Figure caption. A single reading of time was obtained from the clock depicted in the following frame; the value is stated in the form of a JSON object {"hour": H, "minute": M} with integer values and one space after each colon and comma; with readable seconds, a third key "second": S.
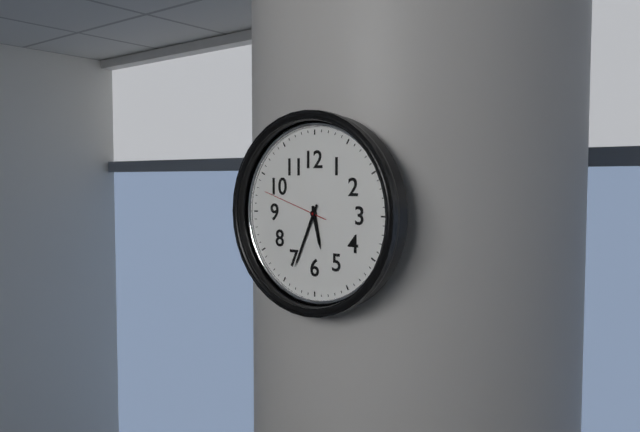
{"hour": 5, "minute": 34, "second": 48}
